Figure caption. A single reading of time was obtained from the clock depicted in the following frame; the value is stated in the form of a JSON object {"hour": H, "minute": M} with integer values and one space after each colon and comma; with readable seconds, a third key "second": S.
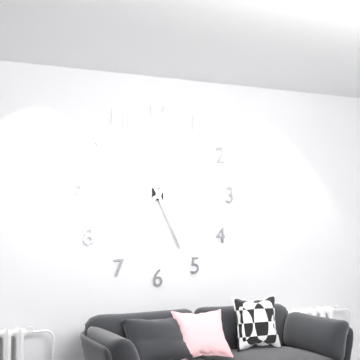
{"hour": 7, "minute": 26}
